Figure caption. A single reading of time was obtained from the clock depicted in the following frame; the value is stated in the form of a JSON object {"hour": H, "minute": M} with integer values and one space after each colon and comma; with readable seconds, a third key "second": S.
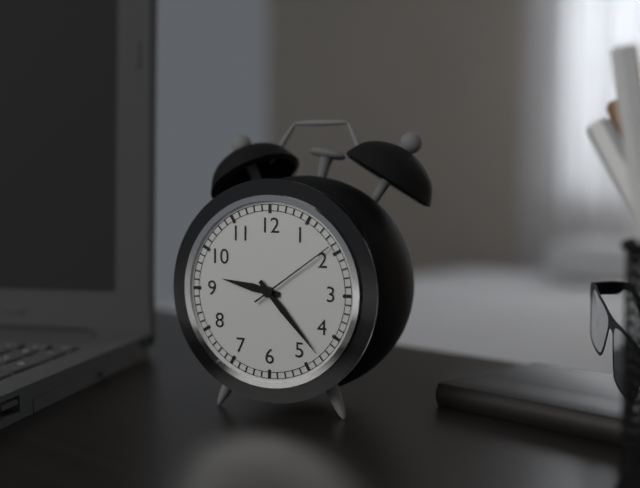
{"hour": 9, "minute": 23, "second": 9}
